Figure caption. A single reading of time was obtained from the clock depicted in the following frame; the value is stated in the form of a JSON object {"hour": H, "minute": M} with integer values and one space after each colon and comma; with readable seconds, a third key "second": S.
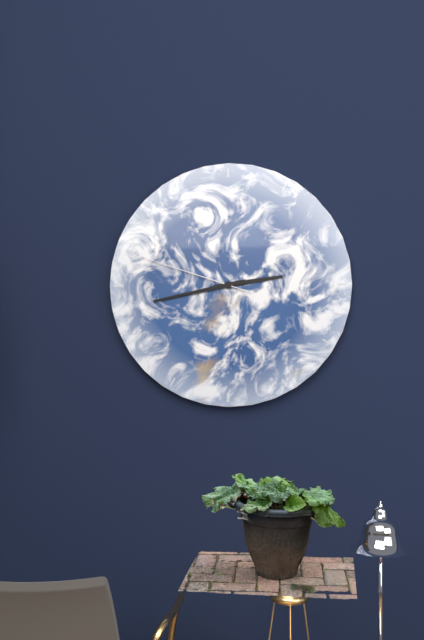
{"hour": 2, "minute": 43, "second": 48}
